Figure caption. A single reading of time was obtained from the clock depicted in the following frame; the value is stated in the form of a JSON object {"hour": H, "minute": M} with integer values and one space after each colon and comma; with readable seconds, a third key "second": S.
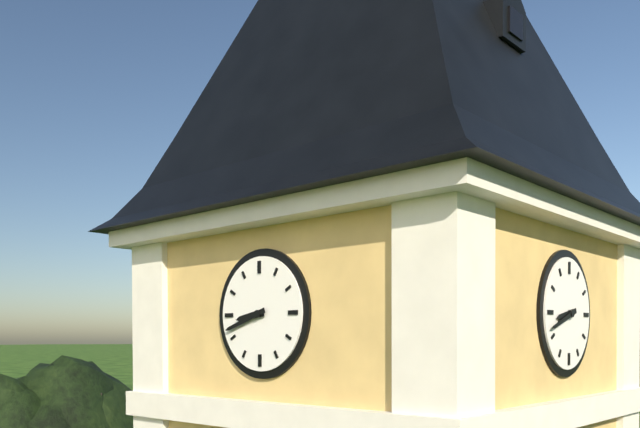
{"hour": 8, "minute": 42}
